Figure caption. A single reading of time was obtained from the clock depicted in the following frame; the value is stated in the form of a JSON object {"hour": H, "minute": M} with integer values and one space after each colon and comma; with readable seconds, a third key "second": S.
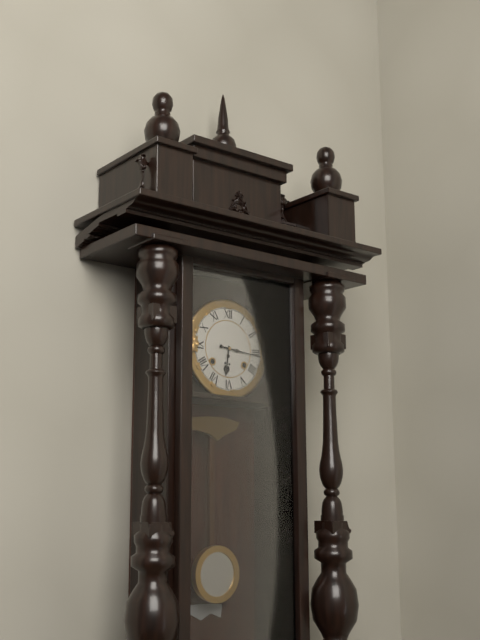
{"hour": 6, "minute": 16}
